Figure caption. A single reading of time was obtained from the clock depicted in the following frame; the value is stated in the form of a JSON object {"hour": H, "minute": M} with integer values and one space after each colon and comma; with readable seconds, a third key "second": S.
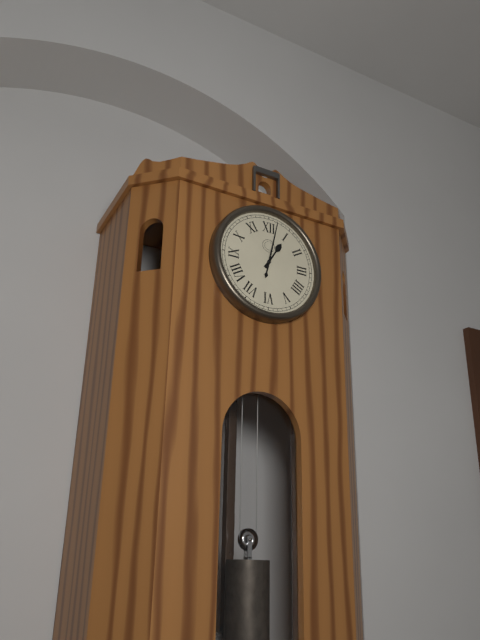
{"hour": 1, "minute": 2}
